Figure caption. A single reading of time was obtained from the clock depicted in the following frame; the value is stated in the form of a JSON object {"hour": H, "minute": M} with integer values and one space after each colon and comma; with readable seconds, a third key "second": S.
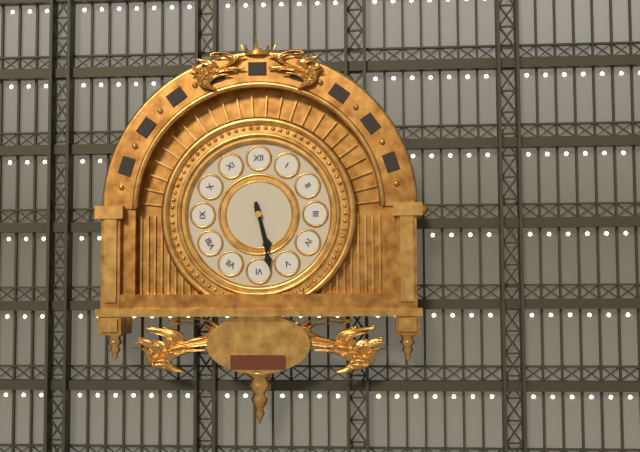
{"hour": 5, "minute": 28}
